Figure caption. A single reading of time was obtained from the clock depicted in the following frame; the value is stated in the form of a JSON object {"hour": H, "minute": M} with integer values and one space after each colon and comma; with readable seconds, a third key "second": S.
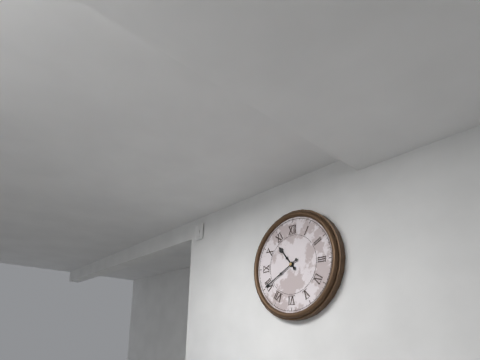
{"hour": 10, "minute": 40}
